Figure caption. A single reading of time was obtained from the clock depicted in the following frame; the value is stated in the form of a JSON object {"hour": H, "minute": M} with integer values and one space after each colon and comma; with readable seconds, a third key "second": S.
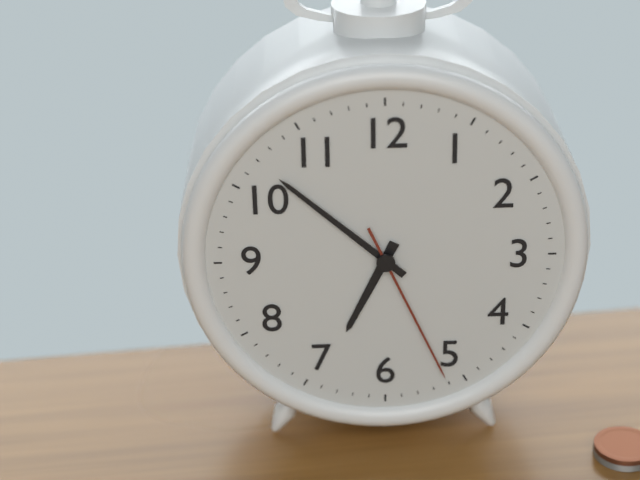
{"hour": 6, "minute": 52, "second": 26}
